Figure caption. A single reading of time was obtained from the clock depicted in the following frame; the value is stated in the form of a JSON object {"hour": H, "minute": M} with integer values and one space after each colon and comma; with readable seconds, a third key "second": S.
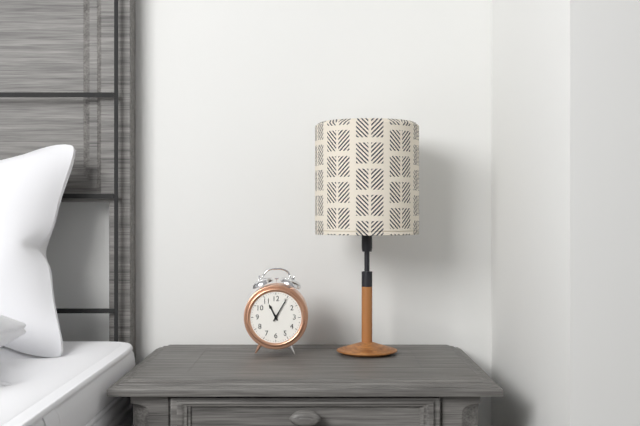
{"hour": 11, "minute": 5}
